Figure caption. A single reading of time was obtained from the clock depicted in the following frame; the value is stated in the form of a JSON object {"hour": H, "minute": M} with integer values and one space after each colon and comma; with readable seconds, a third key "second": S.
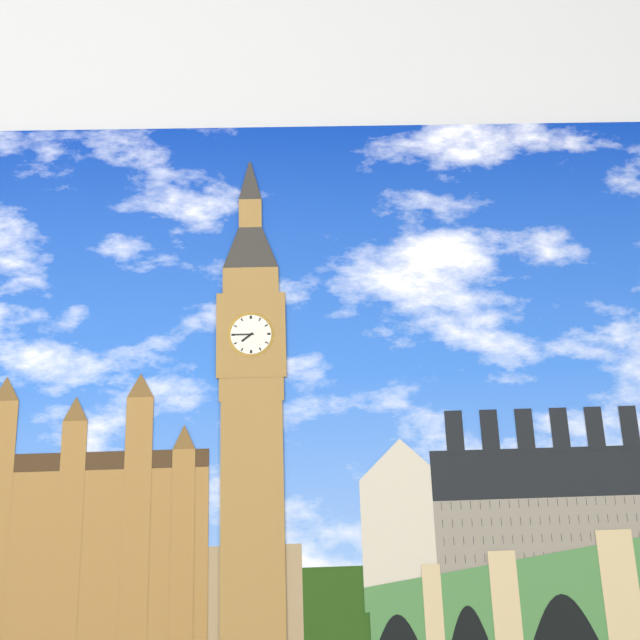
{"hour": 7, "minute": 45}
